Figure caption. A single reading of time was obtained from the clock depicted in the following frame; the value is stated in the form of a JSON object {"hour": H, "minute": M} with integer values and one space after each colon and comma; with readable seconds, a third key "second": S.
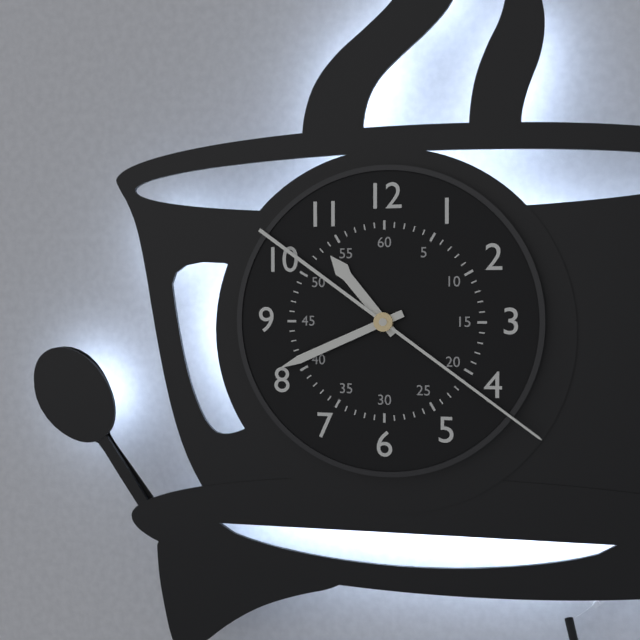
{"hour": 10, "minute": 41, "second": 21}
